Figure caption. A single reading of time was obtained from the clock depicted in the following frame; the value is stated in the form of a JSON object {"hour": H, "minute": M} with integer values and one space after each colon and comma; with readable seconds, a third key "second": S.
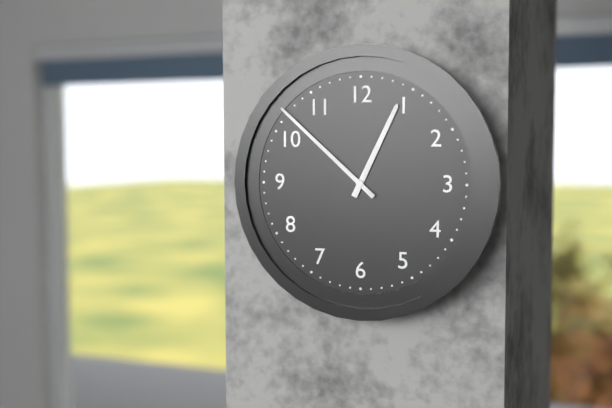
{"hour": 12, "minute": 52}
